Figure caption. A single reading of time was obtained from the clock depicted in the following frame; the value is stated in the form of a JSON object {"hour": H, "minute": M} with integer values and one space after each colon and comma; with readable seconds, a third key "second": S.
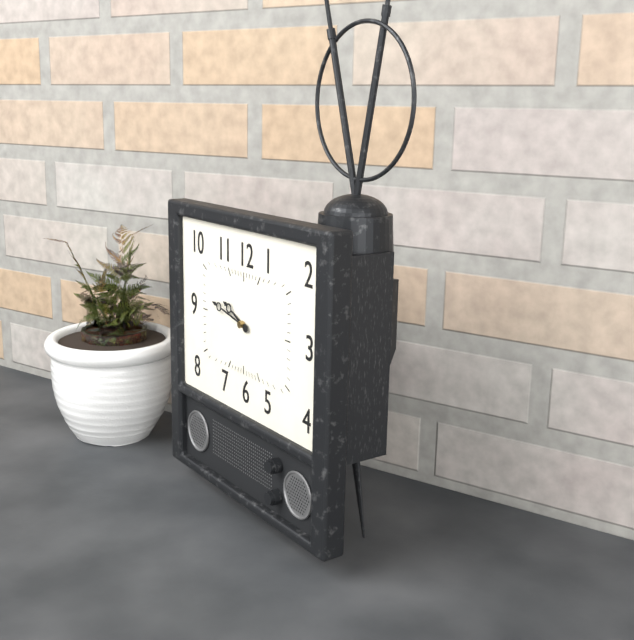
{"hour": 9, "minute": 47}
